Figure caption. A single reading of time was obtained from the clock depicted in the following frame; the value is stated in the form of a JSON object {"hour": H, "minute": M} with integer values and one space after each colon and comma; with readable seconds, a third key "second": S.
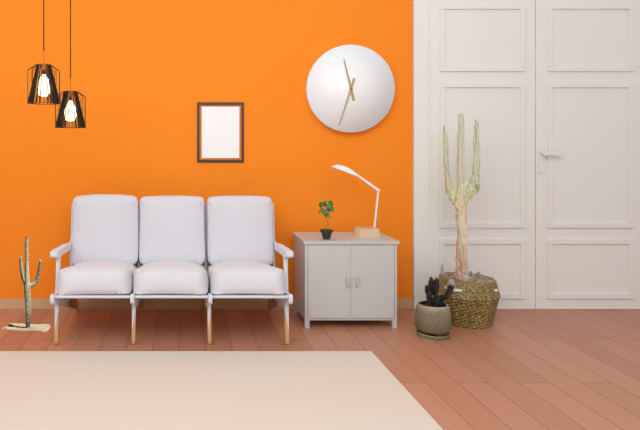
{"hour": 11, "minute": 33}
